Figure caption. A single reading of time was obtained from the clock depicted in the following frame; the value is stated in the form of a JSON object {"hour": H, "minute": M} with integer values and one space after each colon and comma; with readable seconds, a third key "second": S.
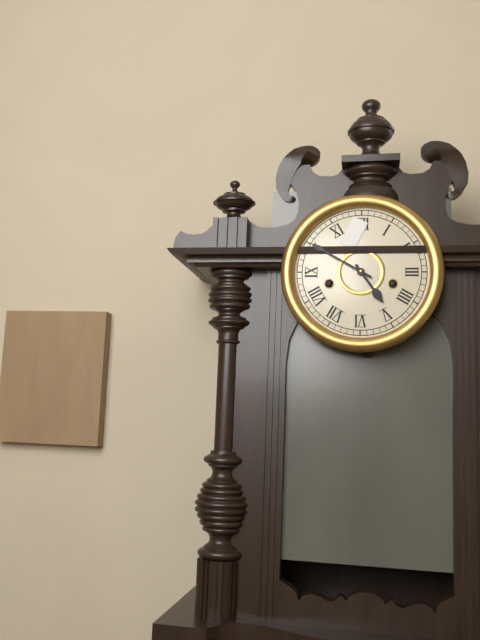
{"hour": 4, "minute": 50}
